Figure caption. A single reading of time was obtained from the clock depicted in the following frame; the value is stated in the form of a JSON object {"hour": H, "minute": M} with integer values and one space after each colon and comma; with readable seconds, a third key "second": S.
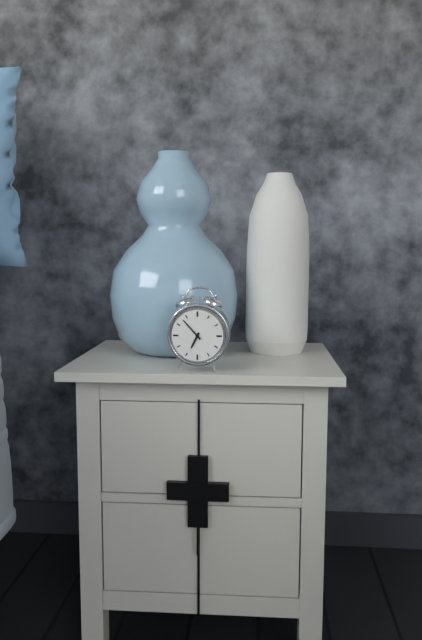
{"hour": 6, "minute": 53}
